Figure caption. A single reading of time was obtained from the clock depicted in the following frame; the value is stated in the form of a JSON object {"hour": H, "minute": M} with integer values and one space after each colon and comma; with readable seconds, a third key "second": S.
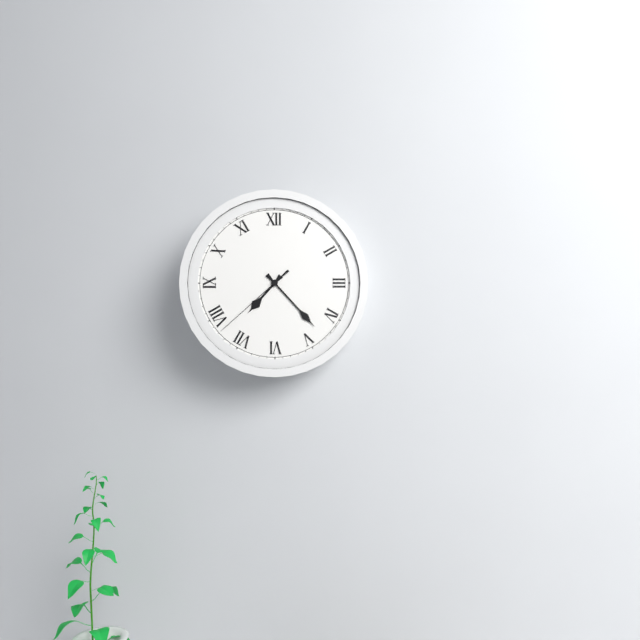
{"hour": 7, "minute": 23, "second": 38}
